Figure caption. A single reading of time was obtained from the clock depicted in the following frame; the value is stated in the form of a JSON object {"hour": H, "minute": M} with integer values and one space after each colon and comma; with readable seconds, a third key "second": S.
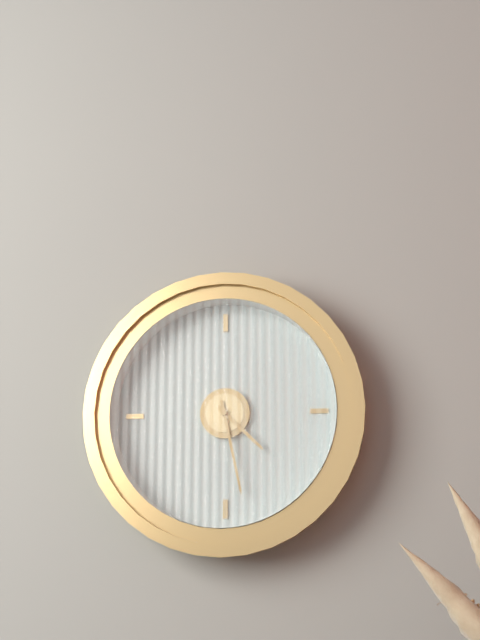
{"hour": 4, "minute": 28}
